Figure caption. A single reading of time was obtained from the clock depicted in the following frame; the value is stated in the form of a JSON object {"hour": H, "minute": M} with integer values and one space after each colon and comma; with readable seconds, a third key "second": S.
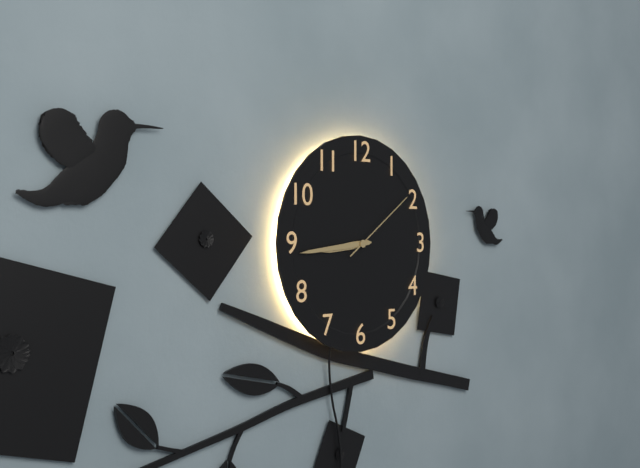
{"hour": 8, "minute": 44, "second": 9}
